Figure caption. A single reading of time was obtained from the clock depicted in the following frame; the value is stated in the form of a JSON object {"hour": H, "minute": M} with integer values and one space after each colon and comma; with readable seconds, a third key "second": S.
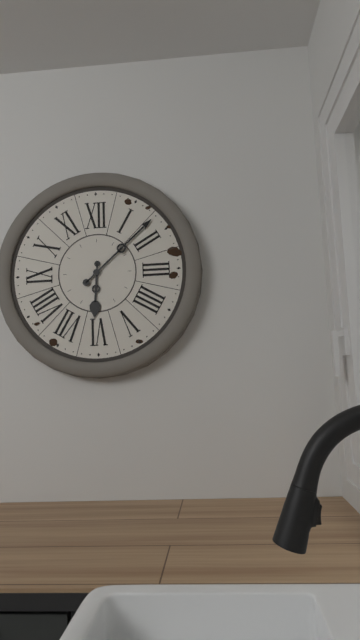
{"hour": 6, "minute": 8}
